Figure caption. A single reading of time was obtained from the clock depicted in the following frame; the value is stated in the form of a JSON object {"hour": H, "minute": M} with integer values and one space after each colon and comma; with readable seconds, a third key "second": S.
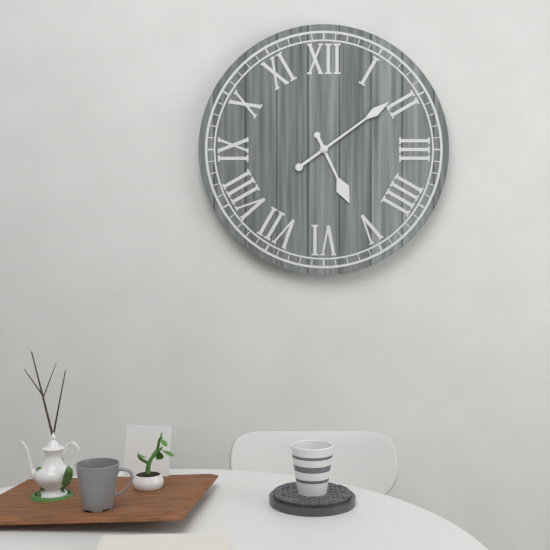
{"hour": 5, "minute": 9}
